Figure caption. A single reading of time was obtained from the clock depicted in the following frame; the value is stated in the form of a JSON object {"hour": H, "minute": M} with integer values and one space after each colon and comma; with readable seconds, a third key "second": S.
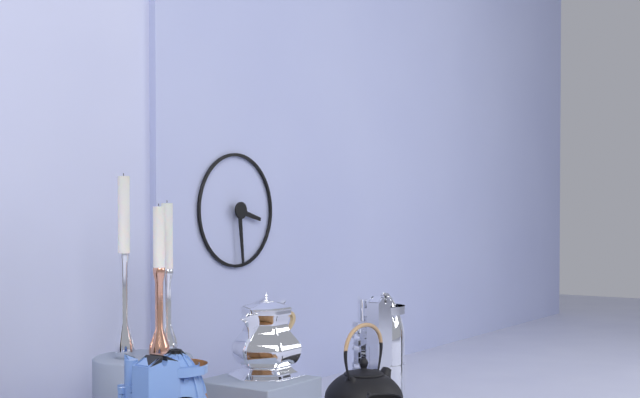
{"hour": 3, "minute": 29}
